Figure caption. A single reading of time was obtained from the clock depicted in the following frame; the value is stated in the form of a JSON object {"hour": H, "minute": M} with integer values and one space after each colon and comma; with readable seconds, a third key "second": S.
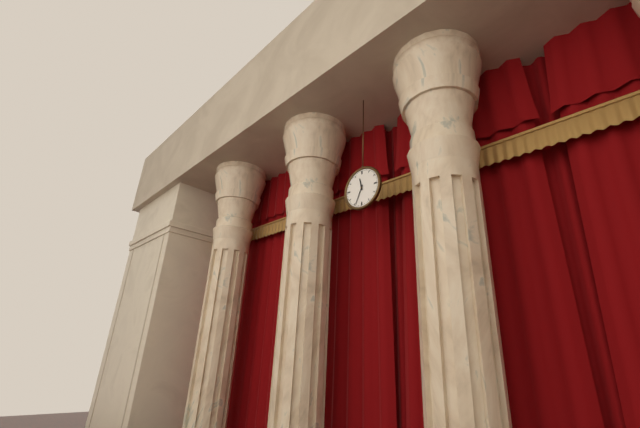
{"hour": 11, "minute": 34}
